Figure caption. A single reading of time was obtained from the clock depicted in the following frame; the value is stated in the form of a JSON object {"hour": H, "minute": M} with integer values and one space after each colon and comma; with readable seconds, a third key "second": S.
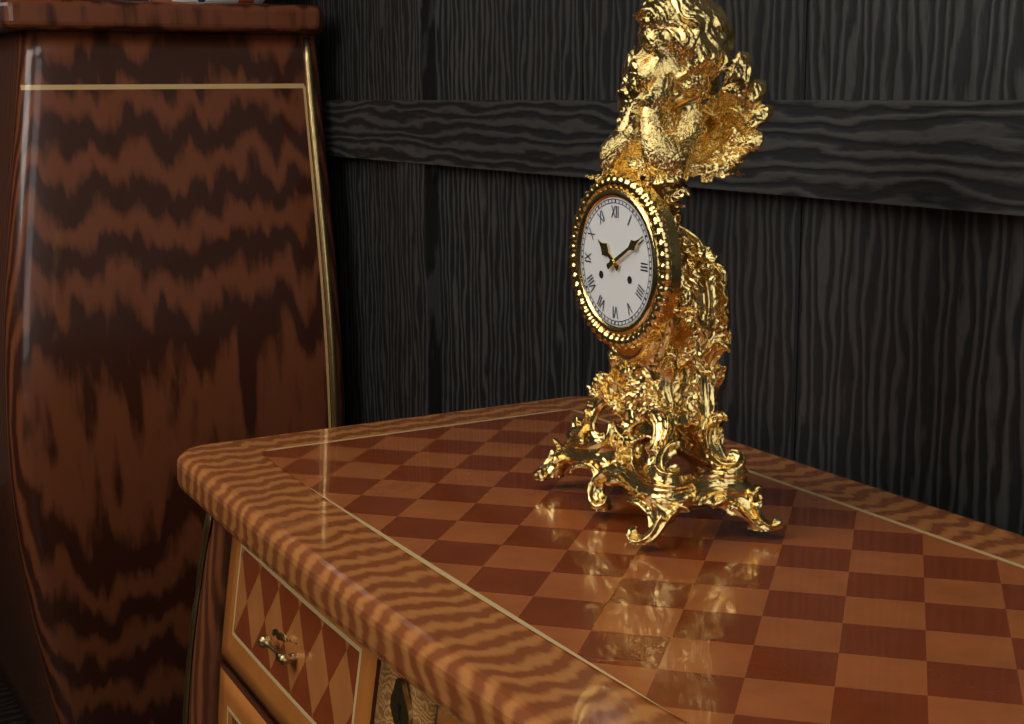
{"hour": 10, "minute": 10}
